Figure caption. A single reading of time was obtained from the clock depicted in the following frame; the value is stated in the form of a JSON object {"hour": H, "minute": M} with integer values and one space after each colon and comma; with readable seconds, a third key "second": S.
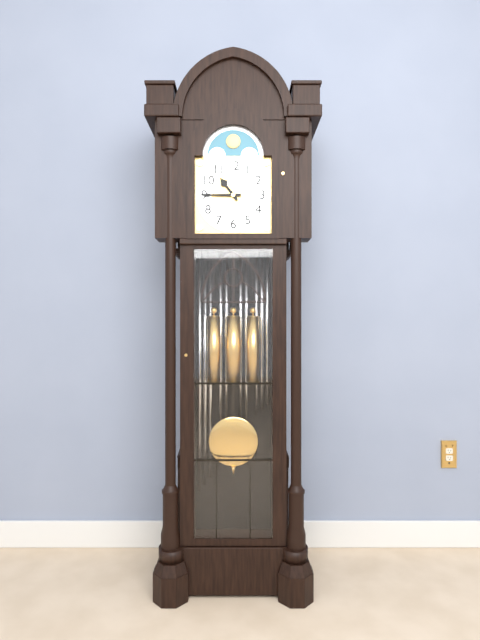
{"hour": 10, "minute": 45}
